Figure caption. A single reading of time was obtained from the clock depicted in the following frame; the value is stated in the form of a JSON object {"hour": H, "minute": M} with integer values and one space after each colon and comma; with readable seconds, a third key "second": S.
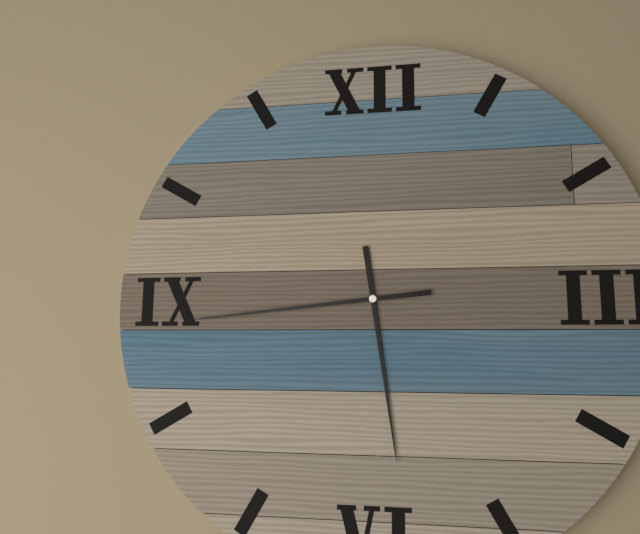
{"hour": 5, "minute": 44}
